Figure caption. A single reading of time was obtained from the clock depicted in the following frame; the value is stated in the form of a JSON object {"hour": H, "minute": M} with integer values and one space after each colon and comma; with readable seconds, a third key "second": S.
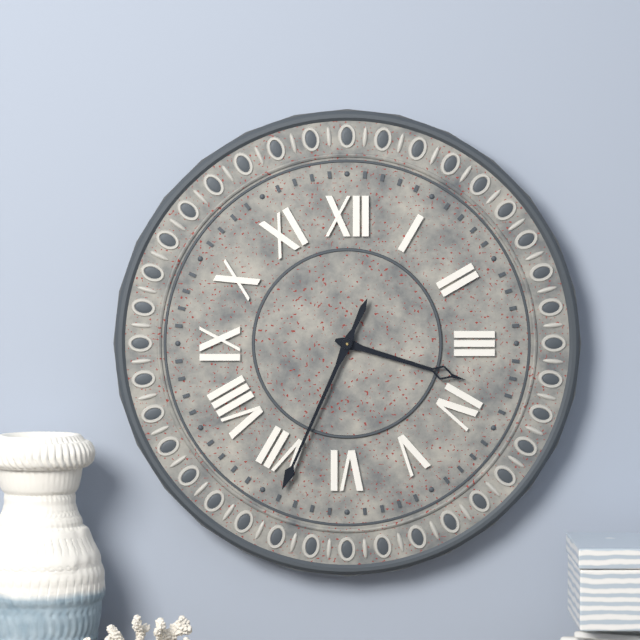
{"hour": 3, "minute": 34}
